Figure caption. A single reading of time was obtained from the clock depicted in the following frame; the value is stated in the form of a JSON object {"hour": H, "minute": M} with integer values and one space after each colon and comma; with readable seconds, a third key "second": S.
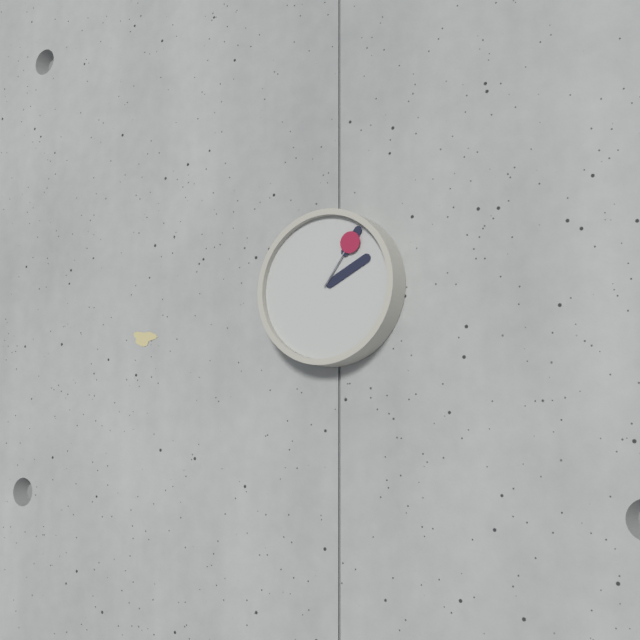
{"hour": 2, "minute": 6, "second": 6}
